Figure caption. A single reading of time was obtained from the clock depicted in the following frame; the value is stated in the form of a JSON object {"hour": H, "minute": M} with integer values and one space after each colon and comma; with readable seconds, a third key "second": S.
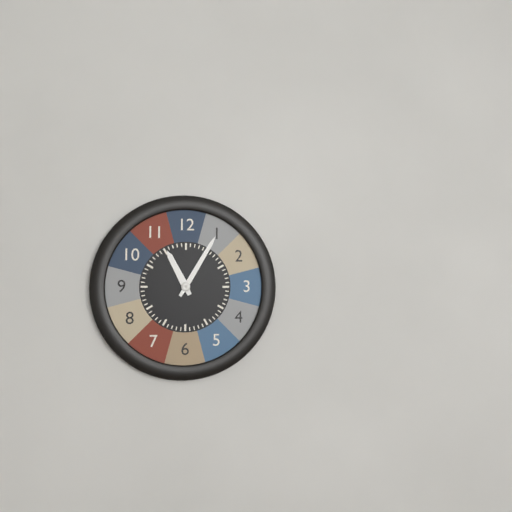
{"hour": 11, "minute": 5}
